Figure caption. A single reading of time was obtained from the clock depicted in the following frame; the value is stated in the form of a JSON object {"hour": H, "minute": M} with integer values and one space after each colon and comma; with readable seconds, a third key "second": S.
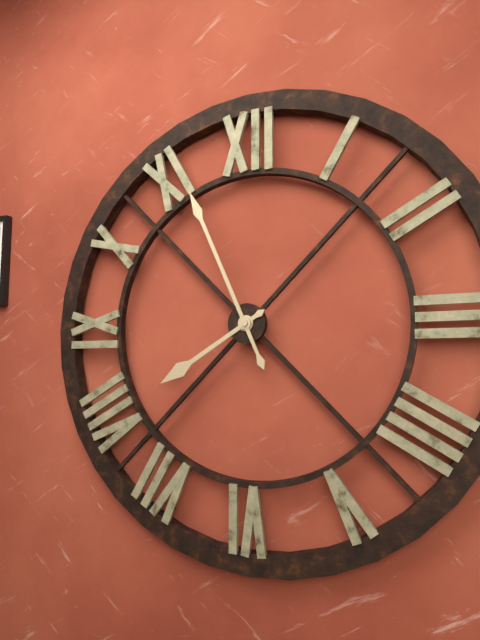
{"hour": 7, "minute": 56}
